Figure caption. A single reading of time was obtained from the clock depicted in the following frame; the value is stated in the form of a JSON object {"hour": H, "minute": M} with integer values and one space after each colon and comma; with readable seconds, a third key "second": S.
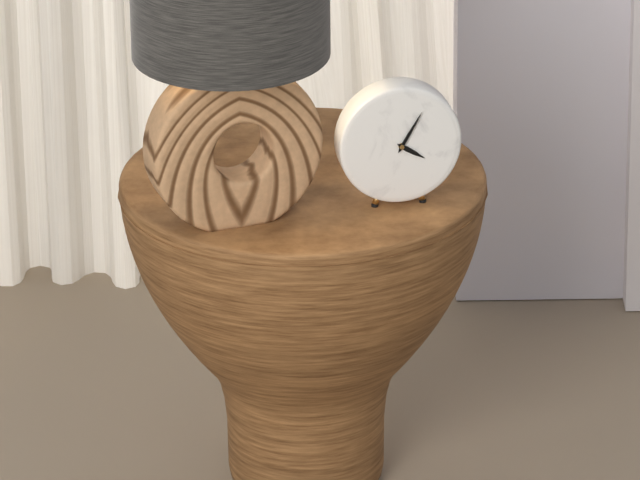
{"hour": 4, "minute": 5}
